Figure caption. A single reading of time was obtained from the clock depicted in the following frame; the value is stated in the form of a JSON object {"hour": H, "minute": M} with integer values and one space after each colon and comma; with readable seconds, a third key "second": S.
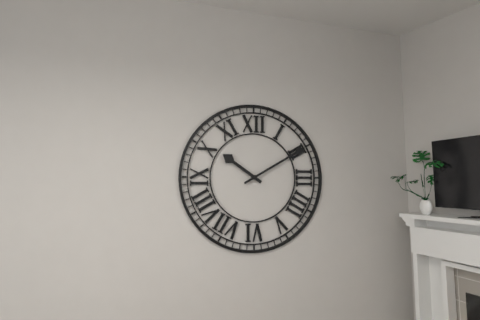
{"hour": 10, "minute": 10}
